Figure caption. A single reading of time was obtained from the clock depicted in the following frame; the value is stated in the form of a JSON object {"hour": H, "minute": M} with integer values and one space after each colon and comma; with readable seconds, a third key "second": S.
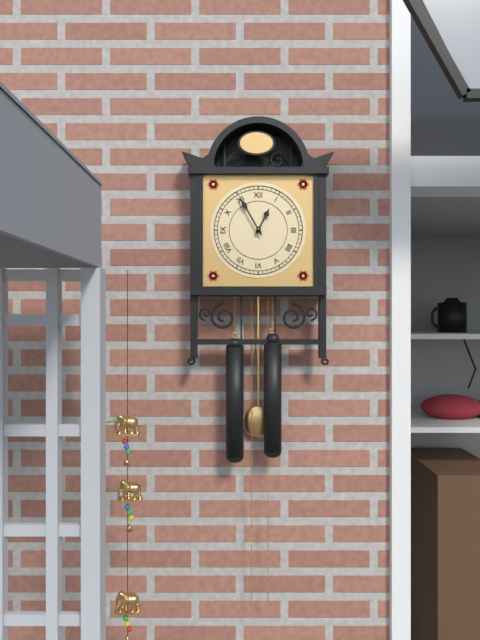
{"hour": 12, "minute": 55}
